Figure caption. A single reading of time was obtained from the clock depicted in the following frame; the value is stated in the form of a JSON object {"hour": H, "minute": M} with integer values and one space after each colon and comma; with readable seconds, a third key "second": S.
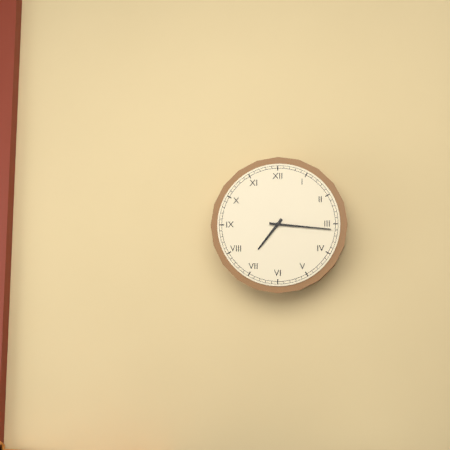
{"hour": 7, "minute": 16}
